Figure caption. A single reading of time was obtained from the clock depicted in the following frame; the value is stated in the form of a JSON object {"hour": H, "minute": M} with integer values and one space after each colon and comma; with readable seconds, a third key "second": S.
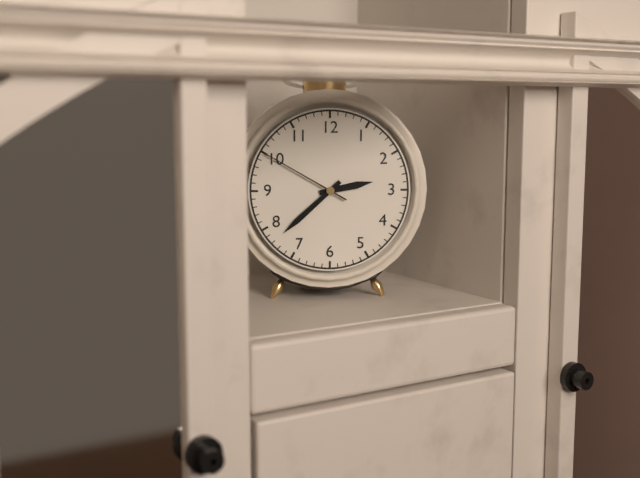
{"hour": 2, "minute": 38, "second": 50}
